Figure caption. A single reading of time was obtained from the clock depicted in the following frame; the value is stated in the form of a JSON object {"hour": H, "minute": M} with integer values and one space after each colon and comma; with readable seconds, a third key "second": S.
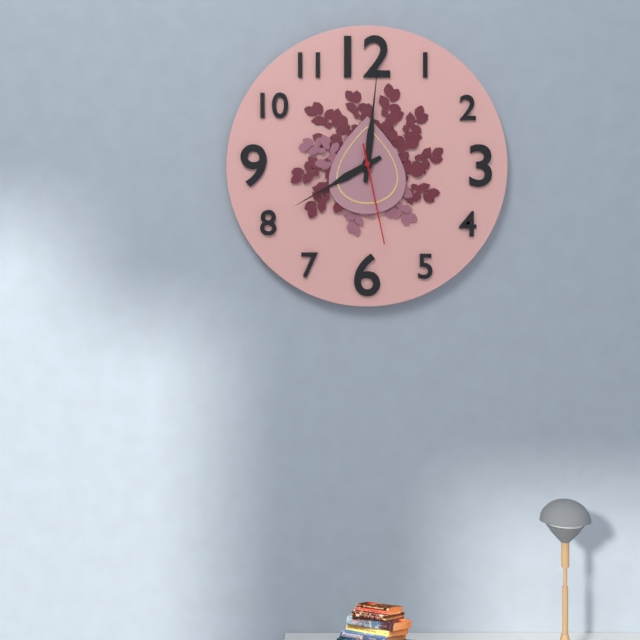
{"hour": 8, "minute": 1, "second": 28}
